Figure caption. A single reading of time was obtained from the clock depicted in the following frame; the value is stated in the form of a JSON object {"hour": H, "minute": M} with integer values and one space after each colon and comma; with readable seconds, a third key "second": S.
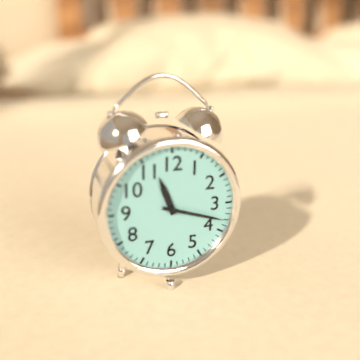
{"hour": 11, "minute": 18}
